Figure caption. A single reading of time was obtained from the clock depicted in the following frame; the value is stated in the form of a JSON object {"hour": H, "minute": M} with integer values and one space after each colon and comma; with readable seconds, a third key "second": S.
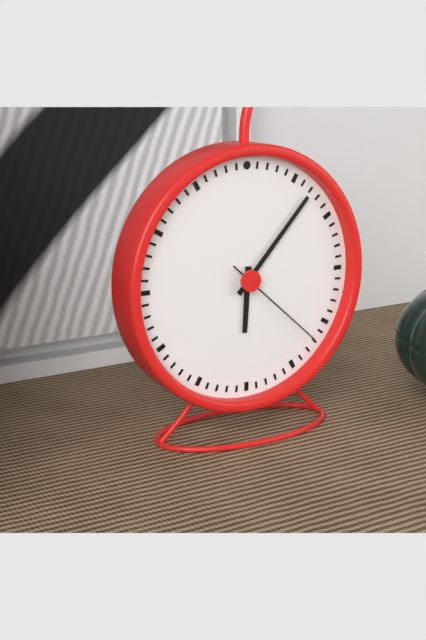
{"hour": 6, "minute": 7, "second": 22}
